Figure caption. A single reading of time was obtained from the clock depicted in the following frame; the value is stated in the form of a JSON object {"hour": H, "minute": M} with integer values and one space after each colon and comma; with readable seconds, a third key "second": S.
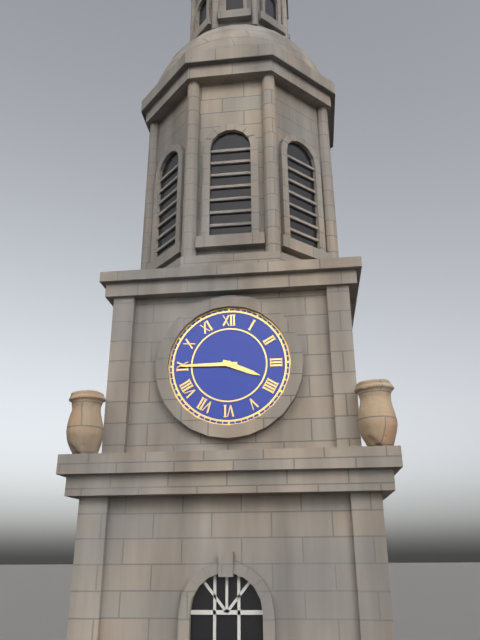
{"hour": 3, "minute": 45}
